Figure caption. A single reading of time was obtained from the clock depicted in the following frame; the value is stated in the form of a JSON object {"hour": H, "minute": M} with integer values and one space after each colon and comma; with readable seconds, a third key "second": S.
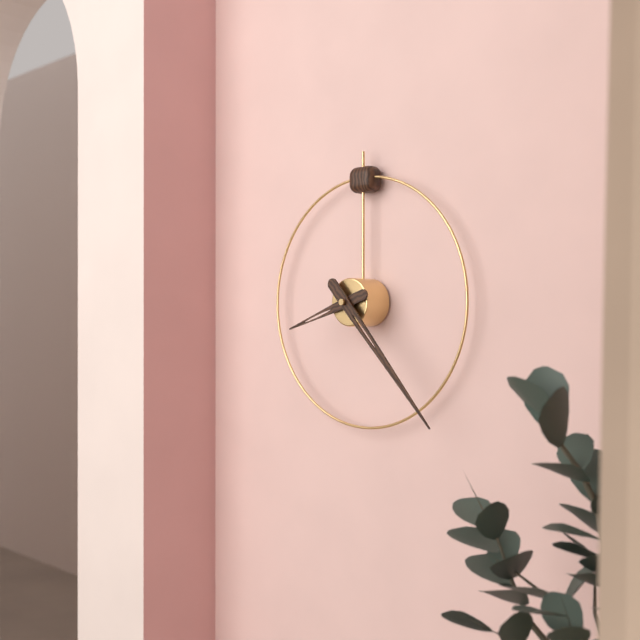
{"hour": 8, "minute": 23}
